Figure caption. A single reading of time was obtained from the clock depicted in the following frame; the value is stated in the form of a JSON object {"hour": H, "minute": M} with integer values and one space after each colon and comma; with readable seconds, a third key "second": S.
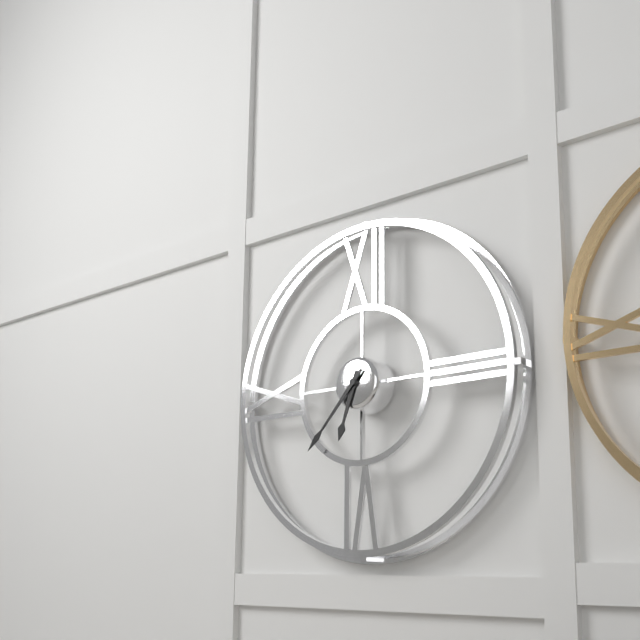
{"hour": 6, "minute": 37}
